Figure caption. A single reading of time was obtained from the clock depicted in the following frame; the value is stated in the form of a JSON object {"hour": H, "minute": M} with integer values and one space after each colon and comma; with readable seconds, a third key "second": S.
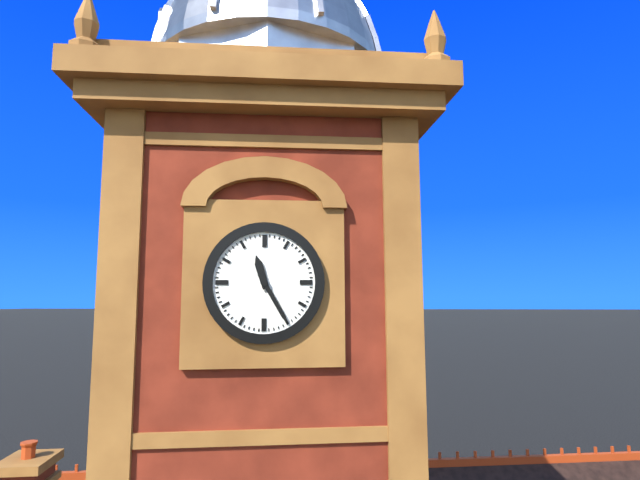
{"hour": 11, "minute": 25}
